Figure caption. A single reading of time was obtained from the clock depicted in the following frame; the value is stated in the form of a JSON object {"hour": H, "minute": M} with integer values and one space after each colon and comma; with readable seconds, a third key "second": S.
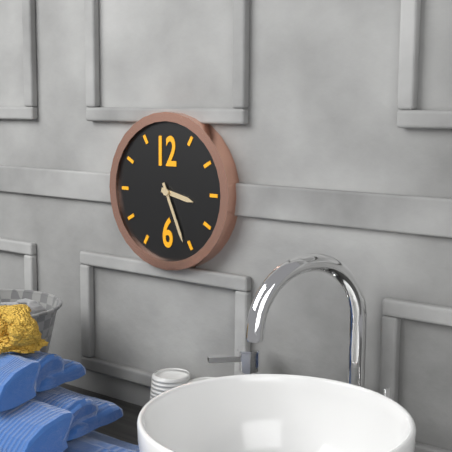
{"hour": 3, "minute": 26}
